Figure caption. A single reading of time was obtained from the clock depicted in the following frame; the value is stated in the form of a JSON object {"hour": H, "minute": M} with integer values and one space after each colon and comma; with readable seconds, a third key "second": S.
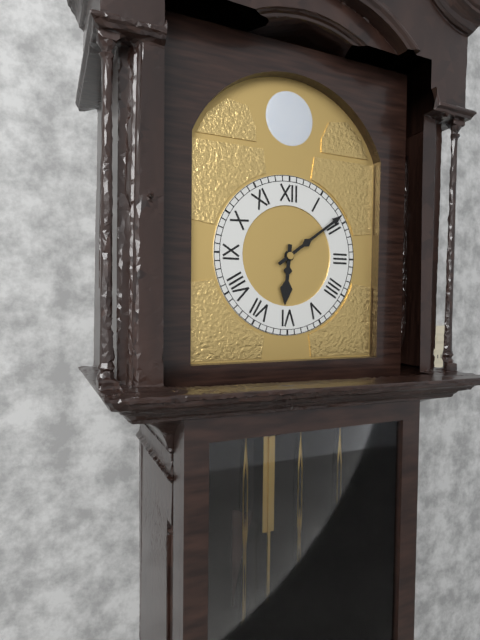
{"hour": 6, "minute": 9}
